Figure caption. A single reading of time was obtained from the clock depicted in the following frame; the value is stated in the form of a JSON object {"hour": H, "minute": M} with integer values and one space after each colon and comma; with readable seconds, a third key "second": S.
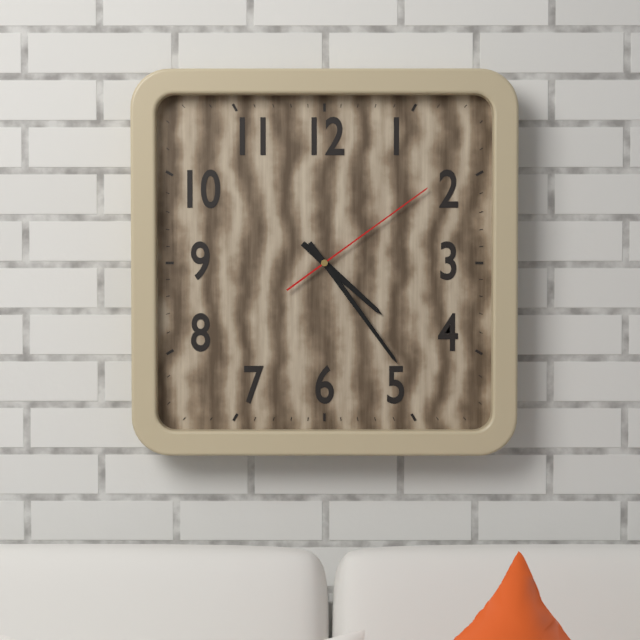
{"hour": 4, "minute": 24, "second": 9}
